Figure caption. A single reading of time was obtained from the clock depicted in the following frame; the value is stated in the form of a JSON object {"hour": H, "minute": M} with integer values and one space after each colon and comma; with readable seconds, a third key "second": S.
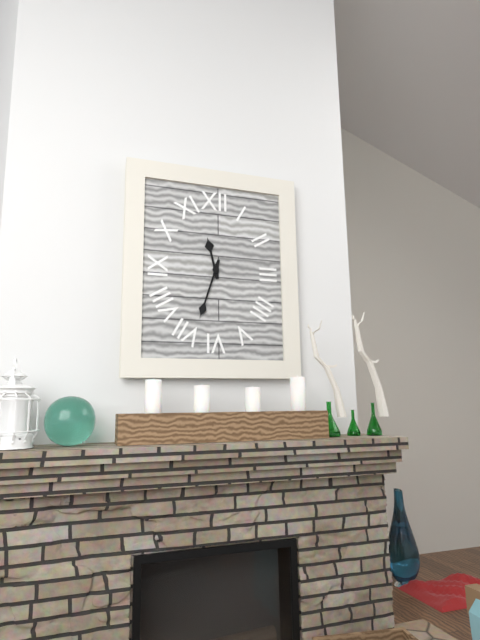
{"hour": 11, "minute": 33}
